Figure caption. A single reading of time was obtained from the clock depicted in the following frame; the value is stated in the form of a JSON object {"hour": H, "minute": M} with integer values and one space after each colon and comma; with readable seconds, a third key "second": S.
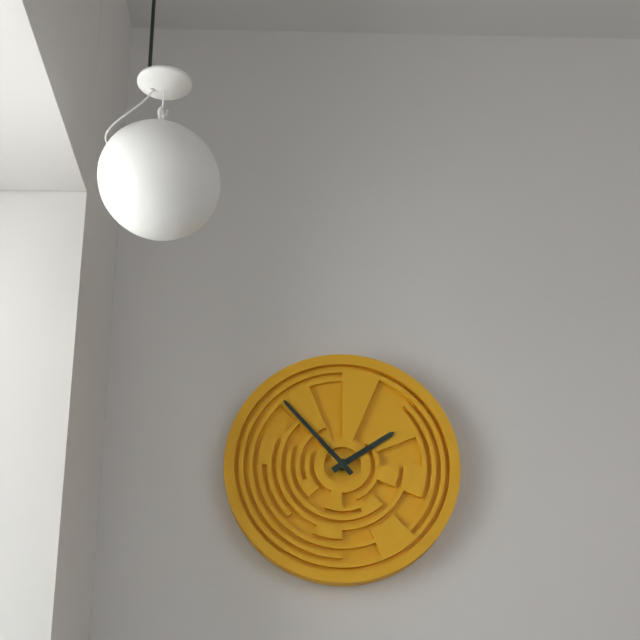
{"hour": 1, "minute": 53}
